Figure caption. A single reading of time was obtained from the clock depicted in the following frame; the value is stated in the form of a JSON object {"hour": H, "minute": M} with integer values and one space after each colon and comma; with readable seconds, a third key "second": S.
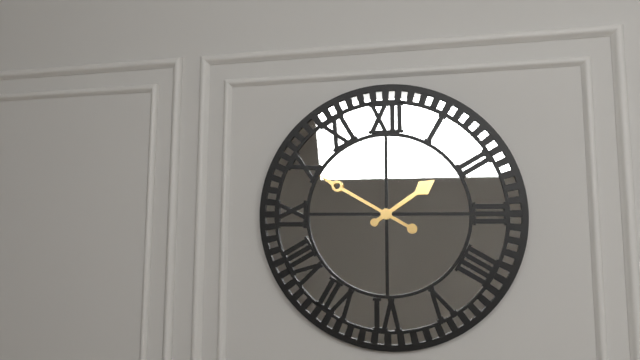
{"hour": 1, "minute": 50}
